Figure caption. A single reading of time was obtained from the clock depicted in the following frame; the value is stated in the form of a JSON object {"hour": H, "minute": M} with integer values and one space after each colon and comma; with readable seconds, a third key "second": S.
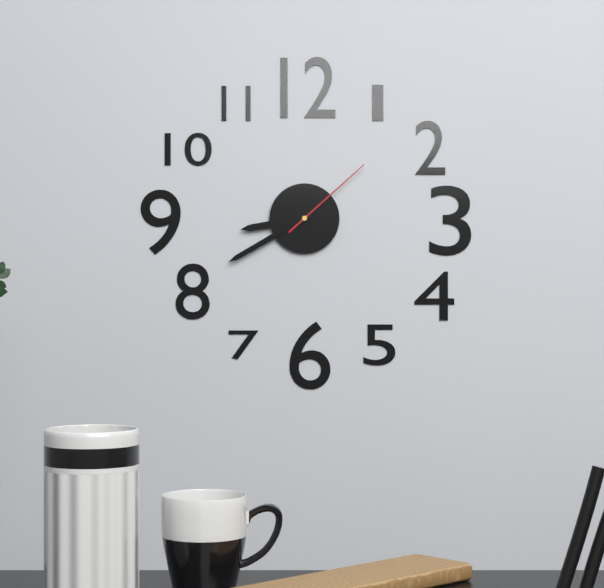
{"hour": 8, "minute": 40, "second": 8}
